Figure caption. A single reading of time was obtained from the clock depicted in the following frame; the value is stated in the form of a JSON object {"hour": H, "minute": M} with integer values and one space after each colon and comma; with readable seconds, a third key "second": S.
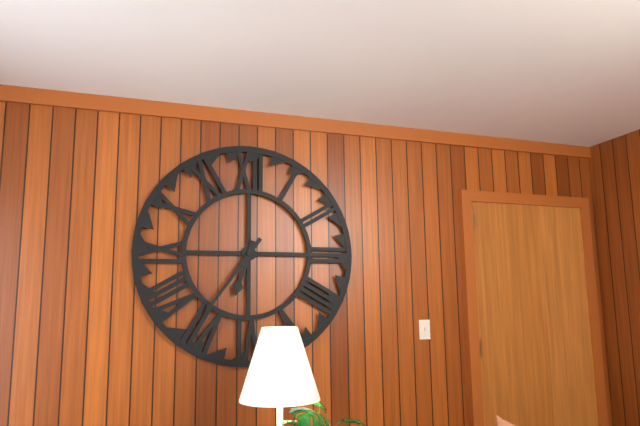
{"hour": 6, "minute": 36}
